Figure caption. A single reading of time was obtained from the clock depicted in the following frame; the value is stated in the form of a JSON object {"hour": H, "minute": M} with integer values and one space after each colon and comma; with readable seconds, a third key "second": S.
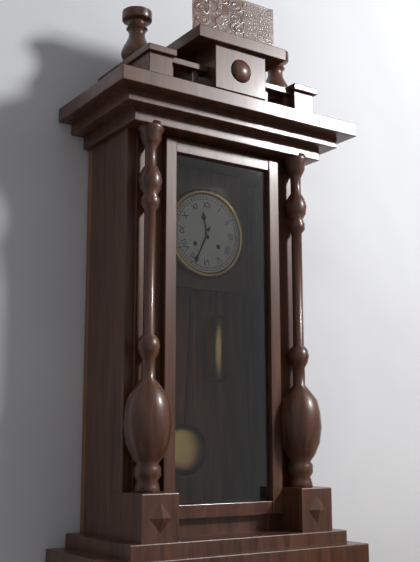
{"hour": 11, "minute": 34}
